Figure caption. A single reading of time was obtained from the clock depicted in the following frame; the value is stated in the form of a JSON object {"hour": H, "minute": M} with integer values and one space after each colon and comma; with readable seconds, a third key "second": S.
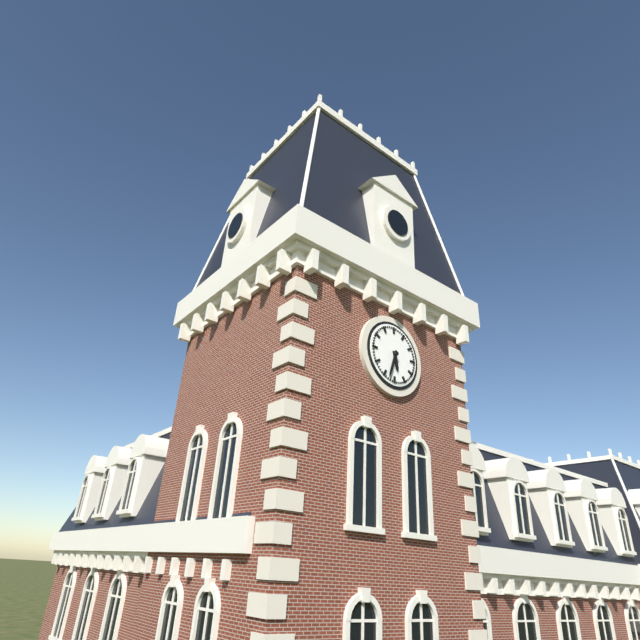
{"hour": 5, "minute": 33}
